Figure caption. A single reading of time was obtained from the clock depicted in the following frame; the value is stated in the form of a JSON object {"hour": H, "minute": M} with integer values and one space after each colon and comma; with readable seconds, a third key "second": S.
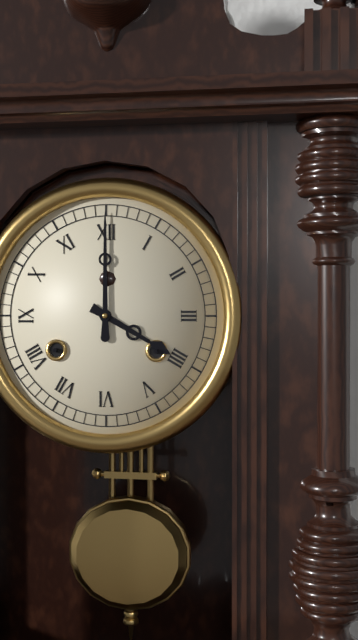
{"hour": 4, "minute": 0}
